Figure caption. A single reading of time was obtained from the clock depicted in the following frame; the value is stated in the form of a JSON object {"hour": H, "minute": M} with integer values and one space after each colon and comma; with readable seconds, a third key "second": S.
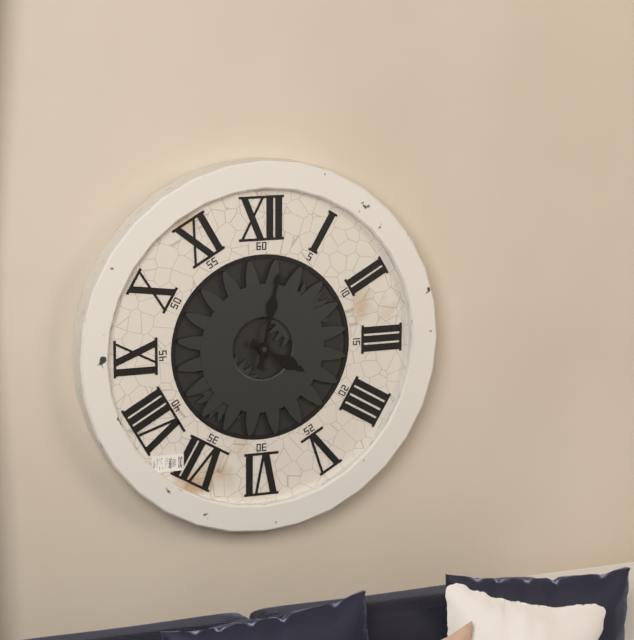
{"hour": 4, "minute": 2}
